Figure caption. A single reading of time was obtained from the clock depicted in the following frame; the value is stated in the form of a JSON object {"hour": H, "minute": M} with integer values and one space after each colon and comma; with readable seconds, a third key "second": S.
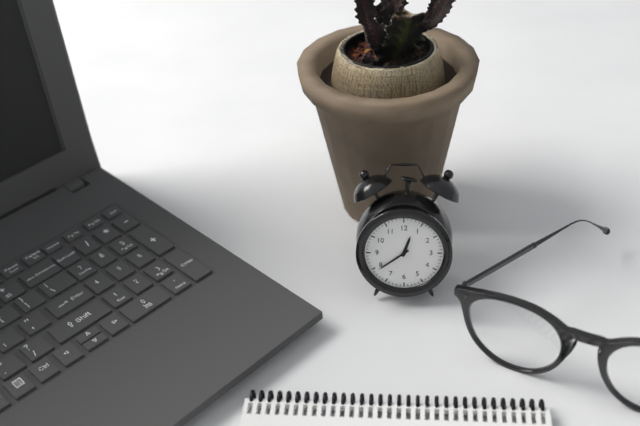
{"hour": 12, "minute": 39}
